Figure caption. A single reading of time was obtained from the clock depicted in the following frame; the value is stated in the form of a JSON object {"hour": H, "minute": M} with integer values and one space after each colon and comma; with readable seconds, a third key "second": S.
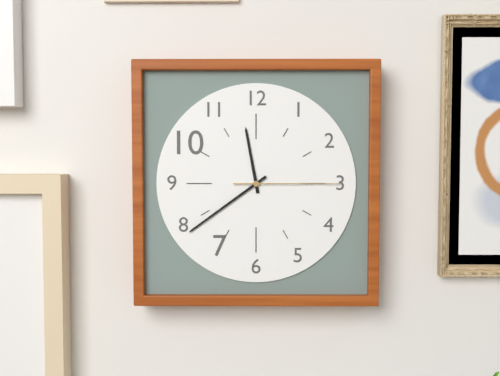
{"hour": 11, "minute": 39, "second": 15}
